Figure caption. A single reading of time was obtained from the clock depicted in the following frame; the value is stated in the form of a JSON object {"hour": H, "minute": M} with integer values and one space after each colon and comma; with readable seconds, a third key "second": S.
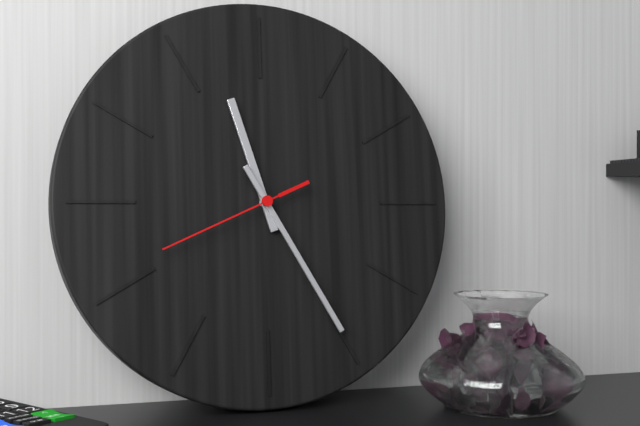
{"hour": 11, "minute": 25, "second": 41}
